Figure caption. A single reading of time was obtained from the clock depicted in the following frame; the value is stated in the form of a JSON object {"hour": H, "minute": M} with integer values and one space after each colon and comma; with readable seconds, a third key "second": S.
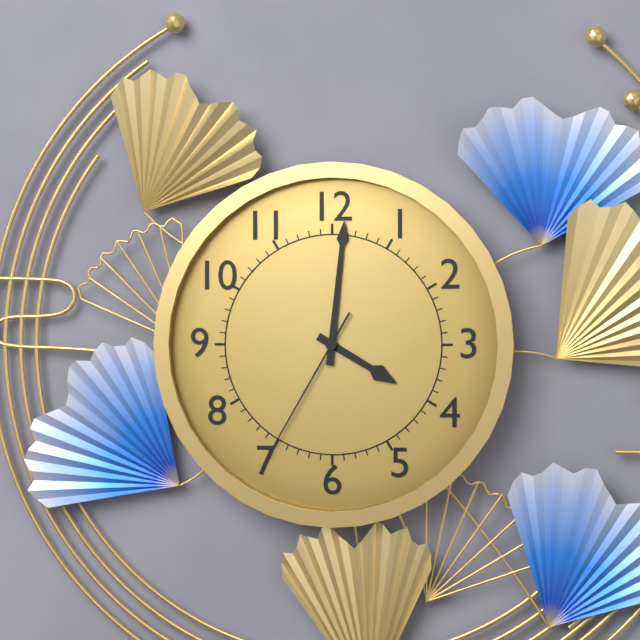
{"hour": 4, "minute": 1, "second": 35}
